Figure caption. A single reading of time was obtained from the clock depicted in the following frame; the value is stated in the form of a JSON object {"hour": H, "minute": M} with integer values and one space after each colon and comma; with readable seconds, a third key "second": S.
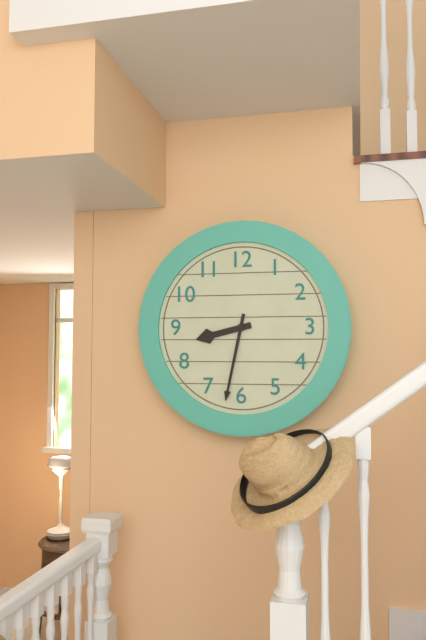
{"hour": 8, "minute": 32}
